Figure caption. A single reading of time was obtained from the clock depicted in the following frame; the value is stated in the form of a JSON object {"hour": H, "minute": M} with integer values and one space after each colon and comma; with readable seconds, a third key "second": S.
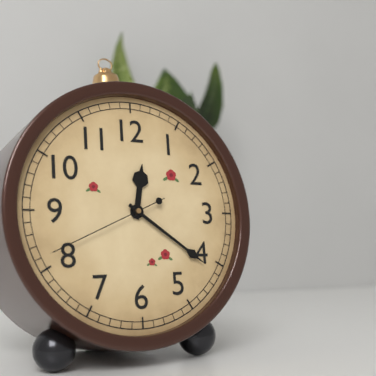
{"hour": 12, "minute": 21, "second": 41}
